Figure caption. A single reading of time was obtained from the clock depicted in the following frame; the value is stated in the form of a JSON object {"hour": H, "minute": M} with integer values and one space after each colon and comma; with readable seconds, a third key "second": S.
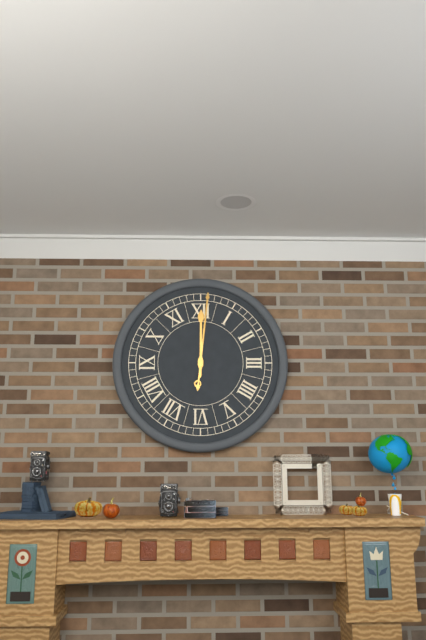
{"hour": 12, "minute": 1}
